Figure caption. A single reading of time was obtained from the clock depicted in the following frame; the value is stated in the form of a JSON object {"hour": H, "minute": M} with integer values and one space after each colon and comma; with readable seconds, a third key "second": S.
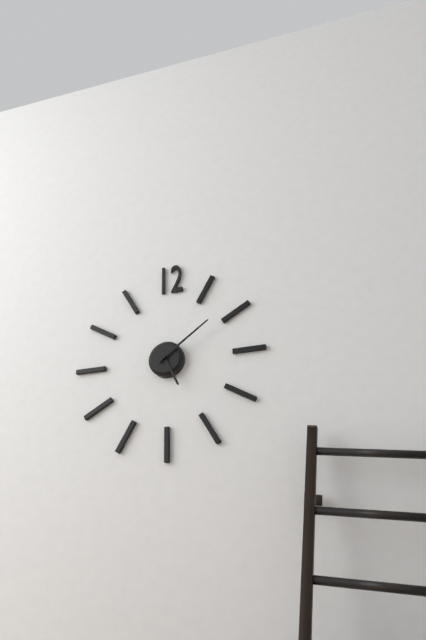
{"hour": 5, "minute": 9}
